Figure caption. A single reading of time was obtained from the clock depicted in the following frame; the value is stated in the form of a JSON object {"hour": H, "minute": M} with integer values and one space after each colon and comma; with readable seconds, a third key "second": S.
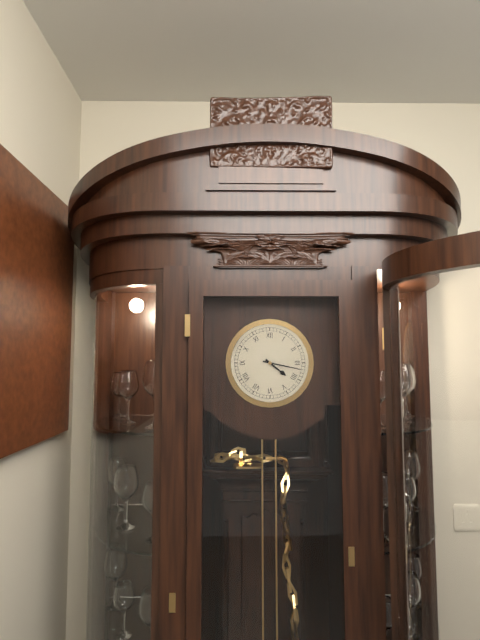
{"hour": 4, "minute": 17}
